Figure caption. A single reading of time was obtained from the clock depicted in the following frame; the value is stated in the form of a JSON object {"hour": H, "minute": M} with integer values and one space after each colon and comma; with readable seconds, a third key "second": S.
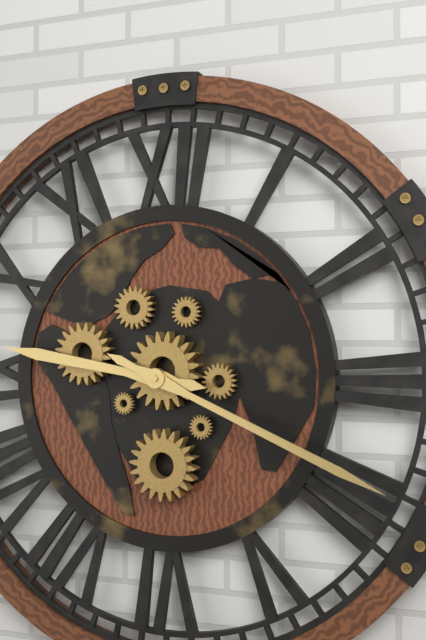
{"hour": 9, "minute": 19}
